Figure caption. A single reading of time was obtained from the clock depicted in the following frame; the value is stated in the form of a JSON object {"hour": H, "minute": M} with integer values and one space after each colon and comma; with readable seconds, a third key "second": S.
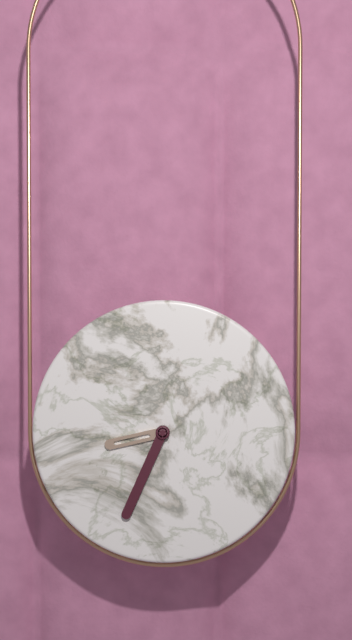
{"hour": 8, "minute": 34}
